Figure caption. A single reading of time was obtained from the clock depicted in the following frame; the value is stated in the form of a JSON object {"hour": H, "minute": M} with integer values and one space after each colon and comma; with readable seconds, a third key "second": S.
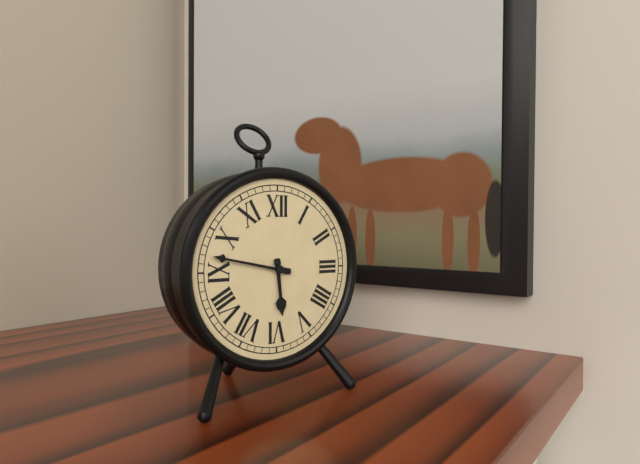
{"hour": 5, "minute": 47}
